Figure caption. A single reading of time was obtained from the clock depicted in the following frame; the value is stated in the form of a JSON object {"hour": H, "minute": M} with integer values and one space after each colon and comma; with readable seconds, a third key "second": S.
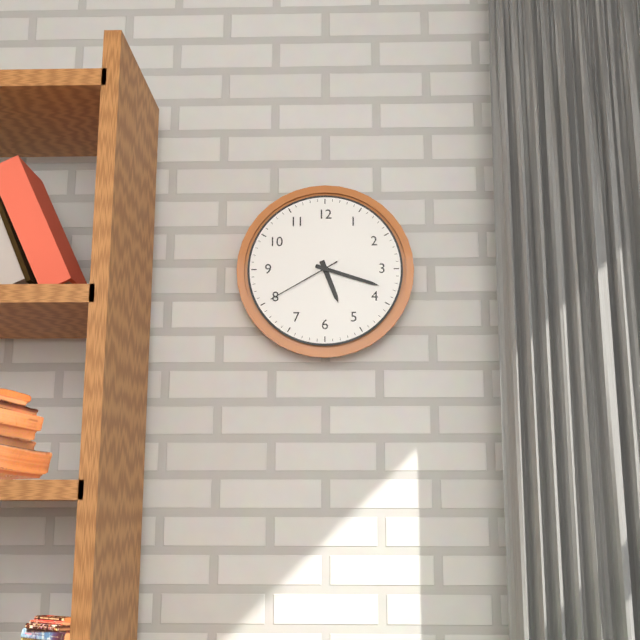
{"hour": 5, "minute": 18, "second": 40}
